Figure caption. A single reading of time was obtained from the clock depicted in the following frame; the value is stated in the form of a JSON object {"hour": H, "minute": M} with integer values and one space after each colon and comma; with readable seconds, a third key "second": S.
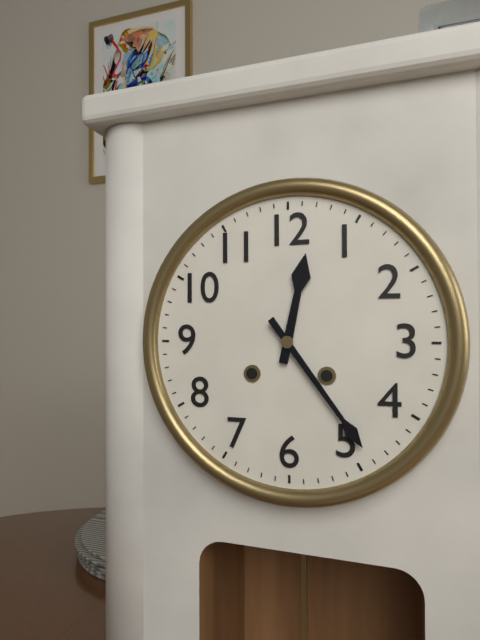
{"hour": 12, "minute": 24}
